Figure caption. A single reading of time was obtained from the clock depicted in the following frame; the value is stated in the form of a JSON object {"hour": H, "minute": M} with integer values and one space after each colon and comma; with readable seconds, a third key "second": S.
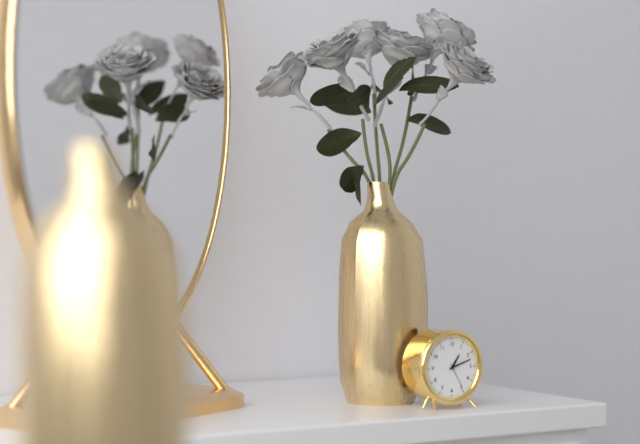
{"hour": 1, "minute": 12}
